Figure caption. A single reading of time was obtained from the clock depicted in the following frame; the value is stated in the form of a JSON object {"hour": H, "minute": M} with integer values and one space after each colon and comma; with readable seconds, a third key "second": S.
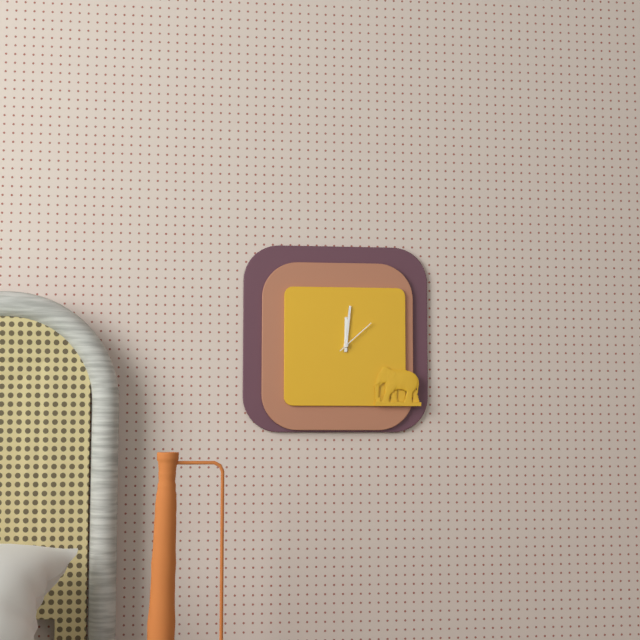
{"hour": 12, "minute": 1}
